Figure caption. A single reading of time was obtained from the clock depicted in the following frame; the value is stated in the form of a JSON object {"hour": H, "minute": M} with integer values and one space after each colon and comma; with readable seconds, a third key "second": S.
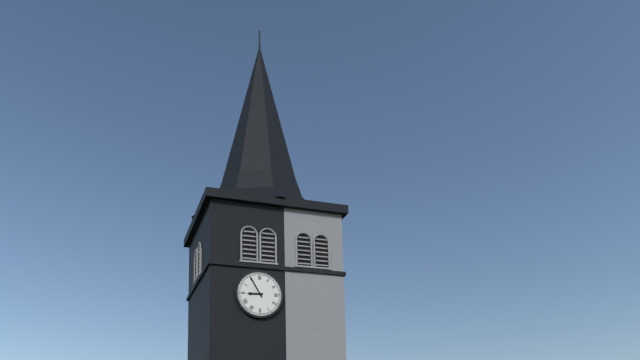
{"hour": 8, "minute": 55}
